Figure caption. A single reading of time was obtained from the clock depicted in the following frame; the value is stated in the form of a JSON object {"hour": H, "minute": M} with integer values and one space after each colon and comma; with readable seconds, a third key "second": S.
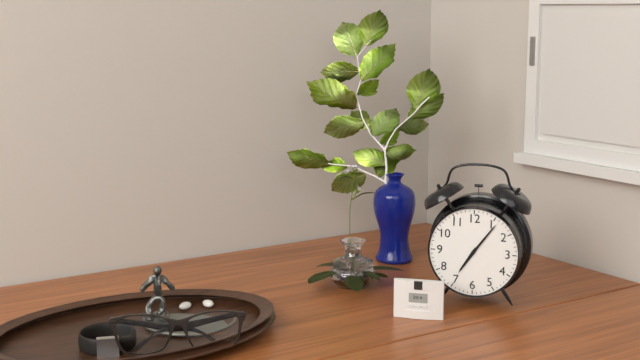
{"hour": 7, "minute": 6}
